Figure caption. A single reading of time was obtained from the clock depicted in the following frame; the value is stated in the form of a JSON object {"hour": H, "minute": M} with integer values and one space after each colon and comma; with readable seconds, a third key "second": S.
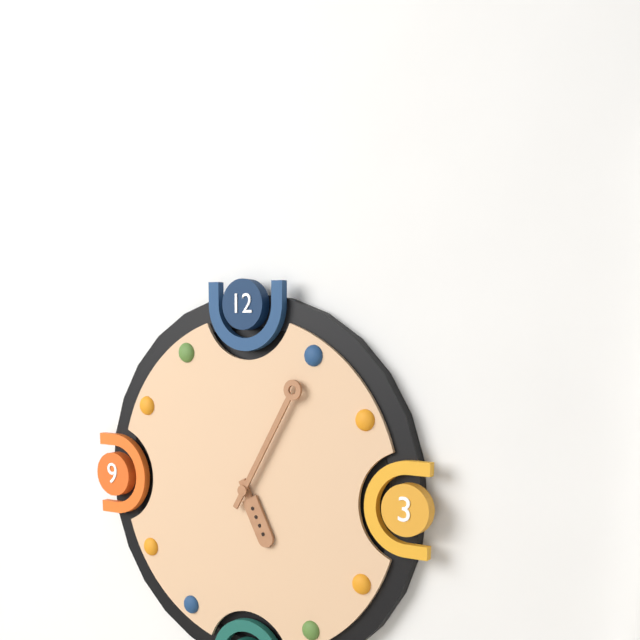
{"hour": 5, "minute": 5}
